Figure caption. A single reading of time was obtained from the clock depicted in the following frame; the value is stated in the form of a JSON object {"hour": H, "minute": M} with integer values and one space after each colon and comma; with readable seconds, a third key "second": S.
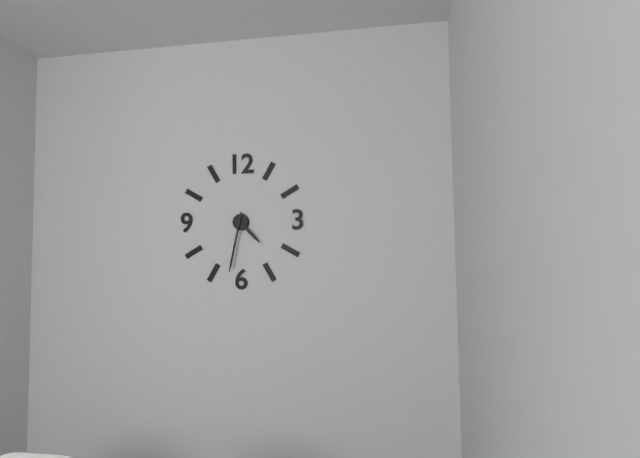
{"hour": 4, "minute": 32}
